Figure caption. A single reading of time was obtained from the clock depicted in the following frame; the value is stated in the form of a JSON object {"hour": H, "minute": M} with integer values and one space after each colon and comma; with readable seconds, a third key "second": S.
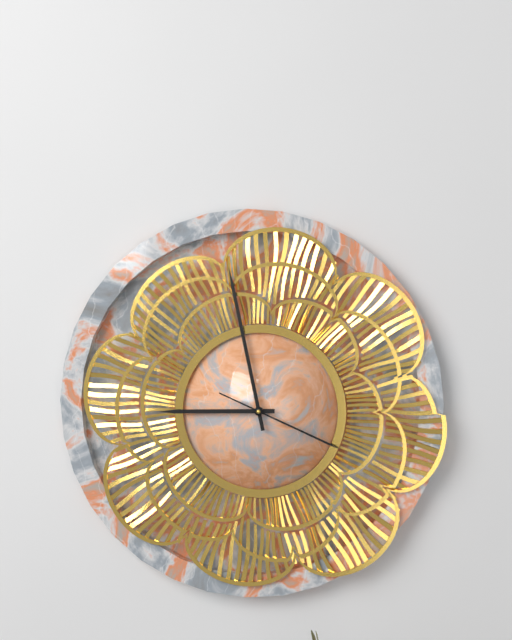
{"hour": 8, "minute": 58, "second": 19}
